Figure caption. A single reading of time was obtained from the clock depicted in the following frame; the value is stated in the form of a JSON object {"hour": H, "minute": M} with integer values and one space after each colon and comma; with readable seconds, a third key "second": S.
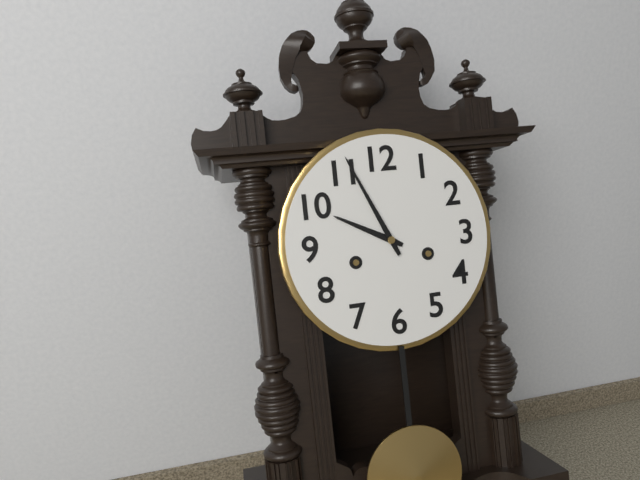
{"hour": 9, "minute": 56}
